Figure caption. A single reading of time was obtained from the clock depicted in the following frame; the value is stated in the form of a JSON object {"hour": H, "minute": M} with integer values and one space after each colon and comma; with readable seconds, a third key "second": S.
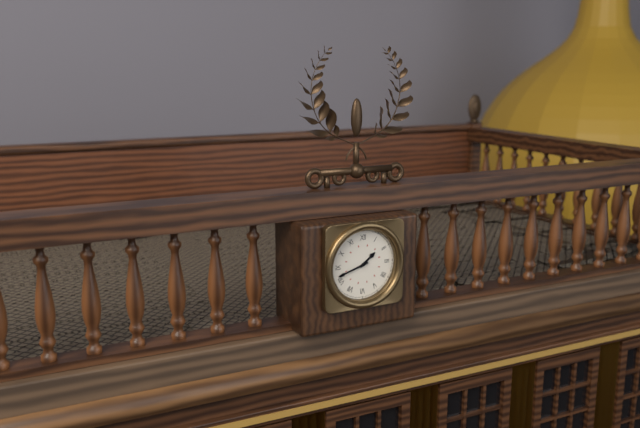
{"hour": 1, "minute": 42}
